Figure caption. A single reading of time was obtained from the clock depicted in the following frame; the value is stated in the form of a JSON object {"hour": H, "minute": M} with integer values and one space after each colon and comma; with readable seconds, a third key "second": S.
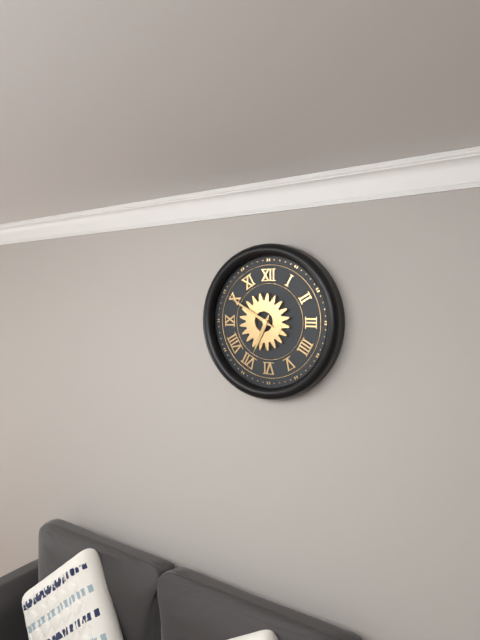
{"hour": 6, "minute": 50}
